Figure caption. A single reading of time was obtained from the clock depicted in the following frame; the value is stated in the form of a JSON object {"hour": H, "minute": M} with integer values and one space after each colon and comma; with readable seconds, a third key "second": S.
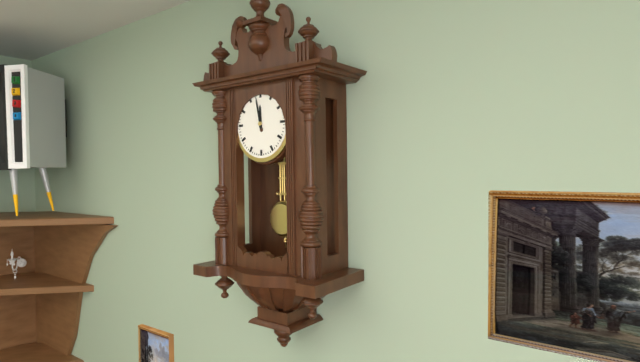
{"hour": 11, "minute": 58}
